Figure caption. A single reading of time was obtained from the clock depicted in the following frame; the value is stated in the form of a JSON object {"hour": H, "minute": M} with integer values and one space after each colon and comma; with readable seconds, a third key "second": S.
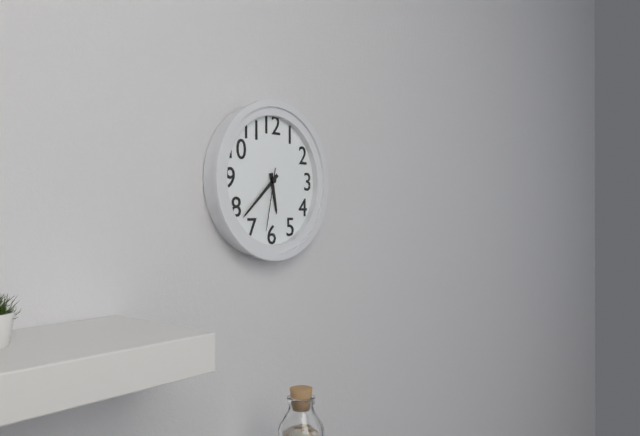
{"hour": 5, "minute": 38, "second": 32}
